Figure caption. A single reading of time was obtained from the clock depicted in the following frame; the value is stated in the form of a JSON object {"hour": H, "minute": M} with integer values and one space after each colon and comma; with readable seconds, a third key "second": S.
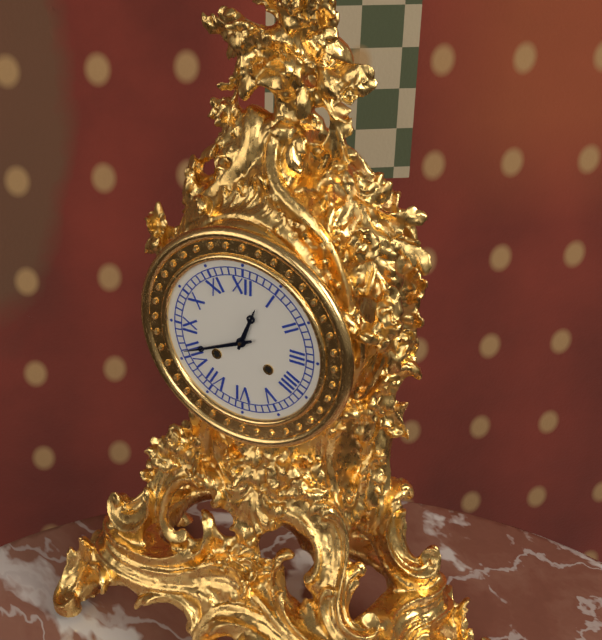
{"hour": 12, "minute": 41}
